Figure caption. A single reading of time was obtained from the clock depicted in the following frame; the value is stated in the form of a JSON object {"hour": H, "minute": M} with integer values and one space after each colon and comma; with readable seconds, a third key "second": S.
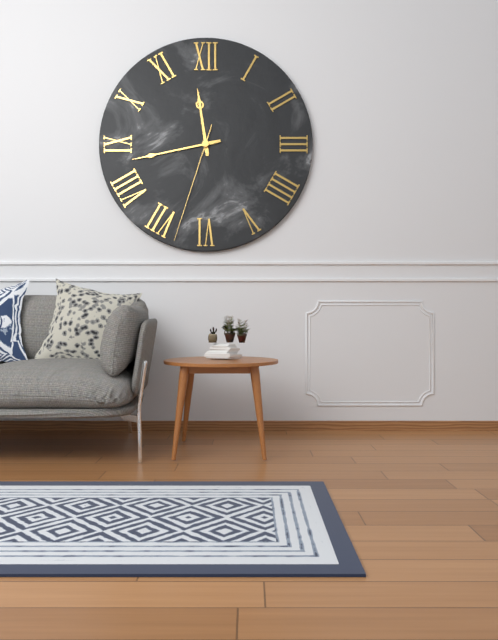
{"hour": 11, "minute": 43, "second": 33}
